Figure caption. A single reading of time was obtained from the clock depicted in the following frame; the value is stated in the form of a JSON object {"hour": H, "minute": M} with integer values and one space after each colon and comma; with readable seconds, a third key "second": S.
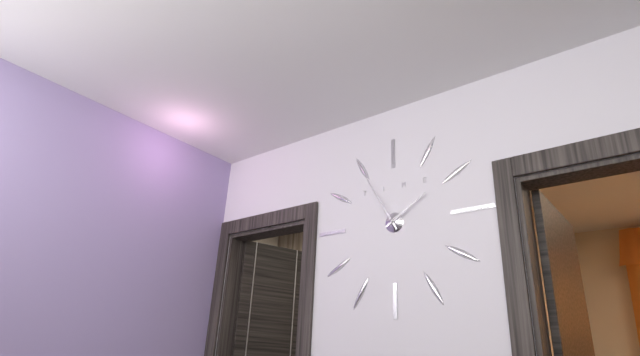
{"hour": 1, "minute": 55}
